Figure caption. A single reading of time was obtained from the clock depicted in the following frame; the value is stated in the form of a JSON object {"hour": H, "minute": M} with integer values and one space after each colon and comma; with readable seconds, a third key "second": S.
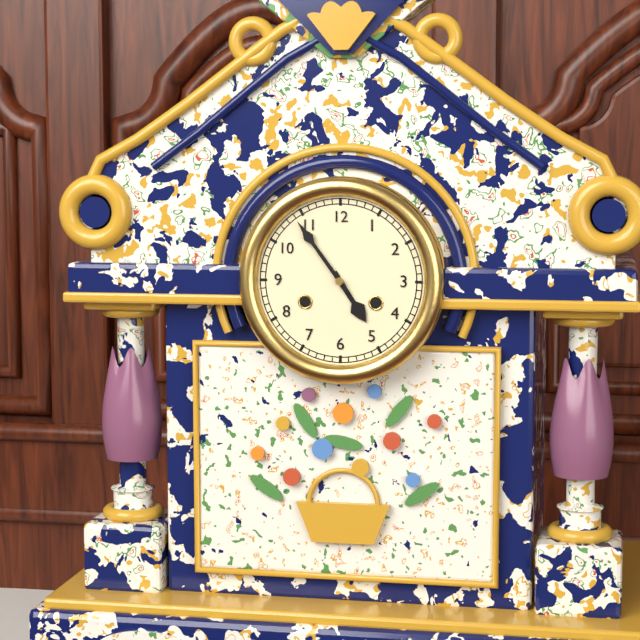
{"hour": 4, "minute": 54}
